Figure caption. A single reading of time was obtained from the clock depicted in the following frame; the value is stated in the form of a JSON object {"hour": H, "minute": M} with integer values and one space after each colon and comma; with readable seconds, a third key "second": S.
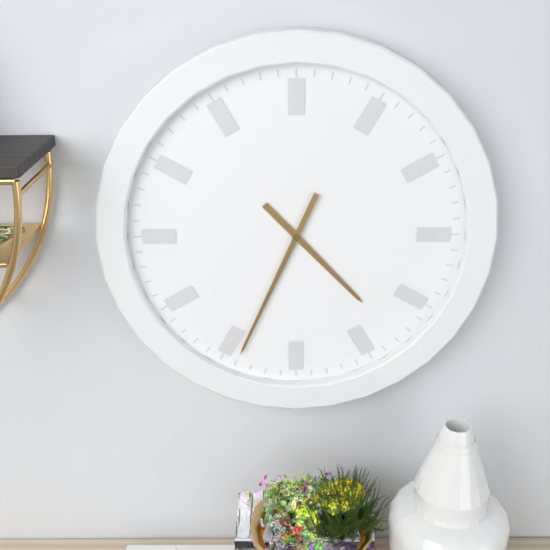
{"hour": 4, "minute": 34}
